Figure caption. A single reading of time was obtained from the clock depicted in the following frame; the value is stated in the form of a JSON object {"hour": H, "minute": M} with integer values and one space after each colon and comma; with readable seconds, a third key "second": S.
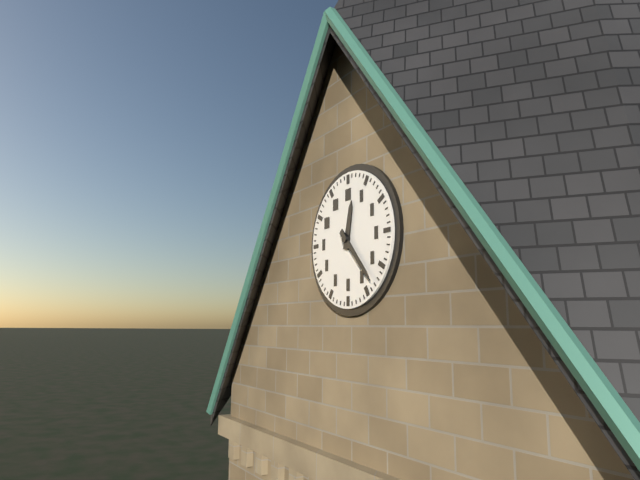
{"hour": 12, "minute": 23}
